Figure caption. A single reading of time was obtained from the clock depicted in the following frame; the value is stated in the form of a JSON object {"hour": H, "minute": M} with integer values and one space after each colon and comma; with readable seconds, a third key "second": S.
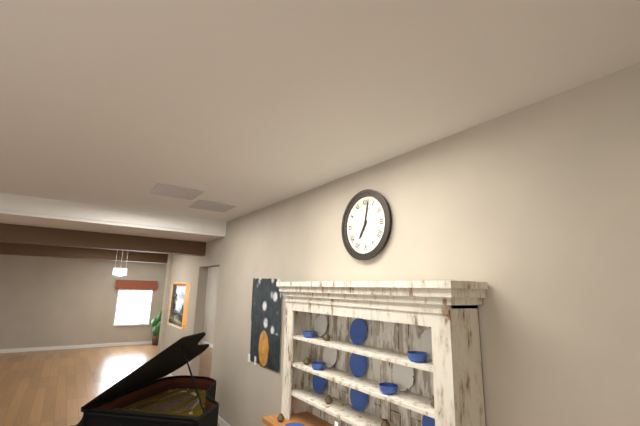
{"hour": 7, "minute": 2}
